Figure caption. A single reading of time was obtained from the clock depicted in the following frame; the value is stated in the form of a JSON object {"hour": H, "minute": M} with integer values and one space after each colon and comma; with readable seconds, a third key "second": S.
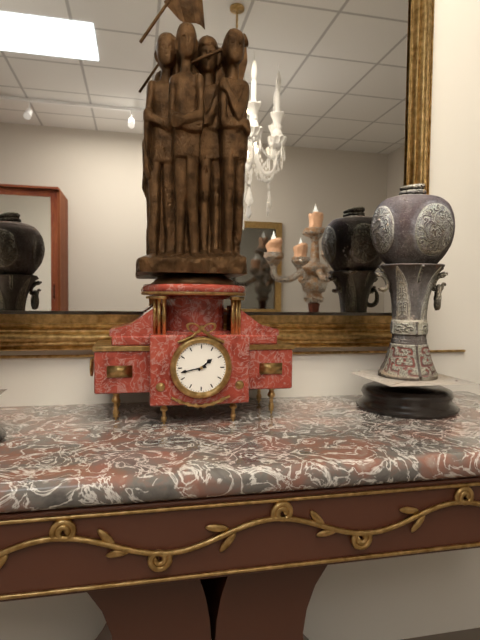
{"hour": 1, "minute": 43}
